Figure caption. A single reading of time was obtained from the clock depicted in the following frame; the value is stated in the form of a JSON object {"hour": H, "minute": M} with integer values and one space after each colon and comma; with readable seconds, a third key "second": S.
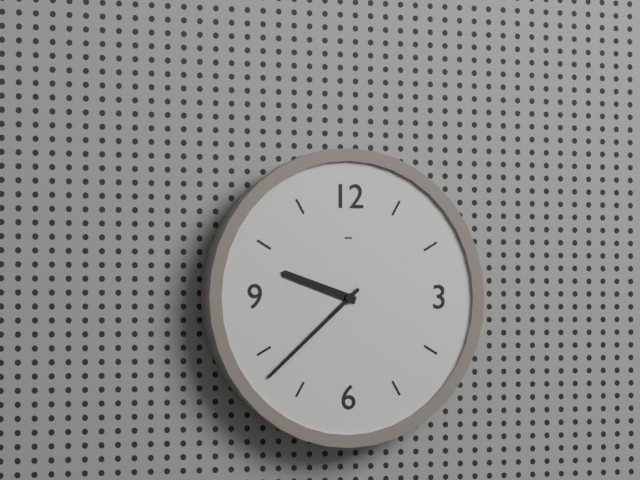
{"hour": 9, "minute": 38}
